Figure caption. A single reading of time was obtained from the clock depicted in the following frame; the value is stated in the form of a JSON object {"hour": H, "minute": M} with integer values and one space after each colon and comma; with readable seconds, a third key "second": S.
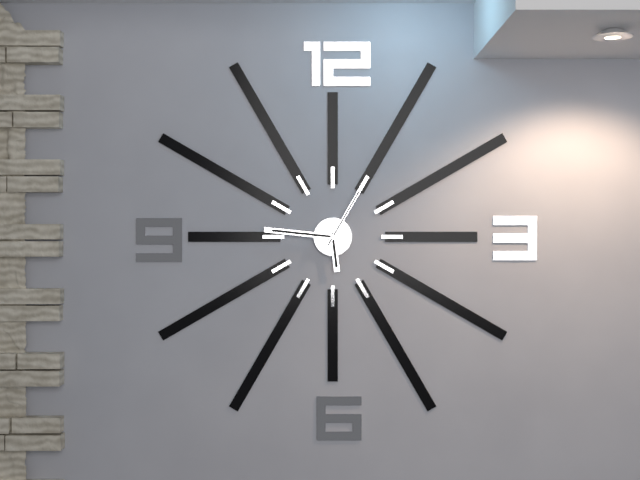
{"hour": 5, "minute": 46, "second": 5}
